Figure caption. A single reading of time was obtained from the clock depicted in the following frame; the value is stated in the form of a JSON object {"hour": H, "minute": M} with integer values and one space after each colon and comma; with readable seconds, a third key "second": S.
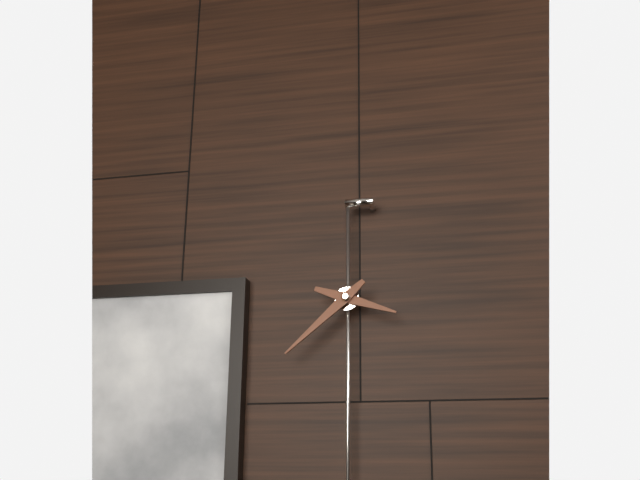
{"hour": 3, "minute": 38}
